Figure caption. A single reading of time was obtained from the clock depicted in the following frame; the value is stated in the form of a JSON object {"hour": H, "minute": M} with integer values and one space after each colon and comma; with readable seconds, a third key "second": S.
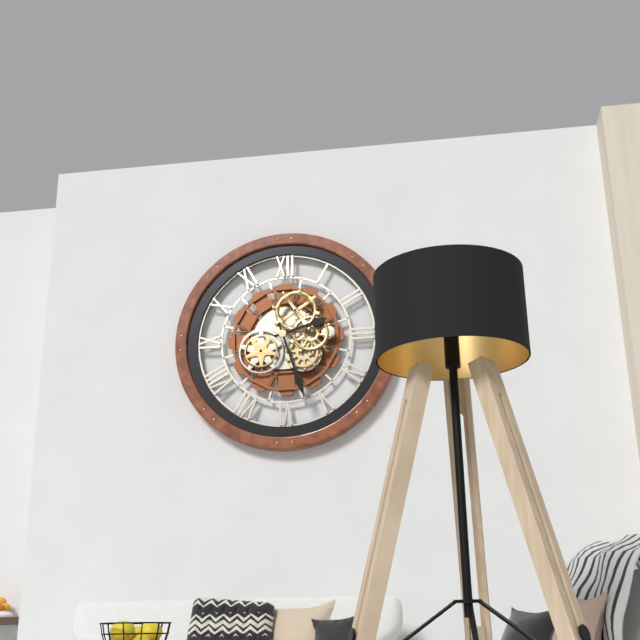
{"hour": 2, "minute": 27}
